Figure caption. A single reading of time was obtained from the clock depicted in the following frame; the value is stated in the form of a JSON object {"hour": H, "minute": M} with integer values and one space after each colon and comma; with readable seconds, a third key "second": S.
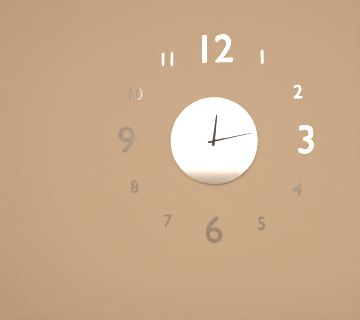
{"hour": 12, "minute": 13}
